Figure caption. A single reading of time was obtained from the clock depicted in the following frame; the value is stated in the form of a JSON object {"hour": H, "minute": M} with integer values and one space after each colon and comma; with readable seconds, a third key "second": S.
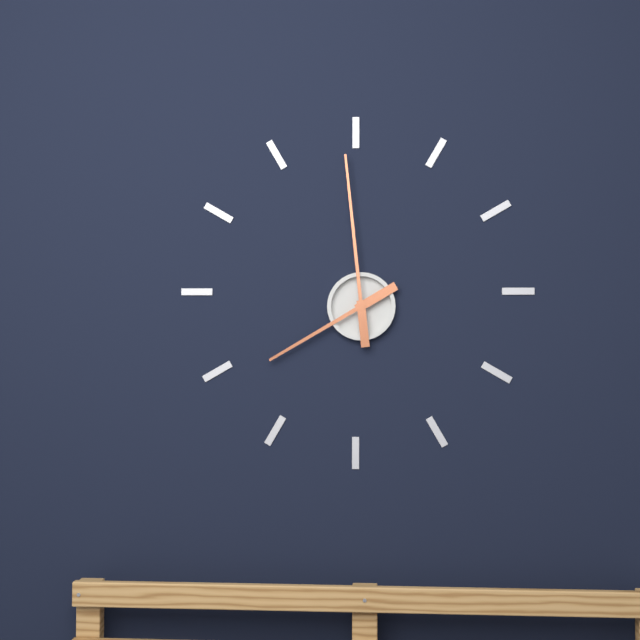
{"hour": 7, "minute": 59}
